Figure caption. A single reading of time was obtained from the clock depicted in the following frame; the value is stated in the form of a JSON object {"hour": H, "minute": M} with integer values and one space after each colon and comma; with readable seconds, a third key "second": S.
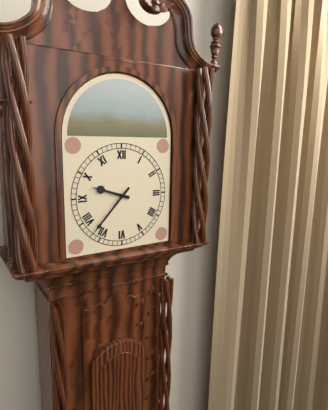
{"hour": 9, "minute": 37}
